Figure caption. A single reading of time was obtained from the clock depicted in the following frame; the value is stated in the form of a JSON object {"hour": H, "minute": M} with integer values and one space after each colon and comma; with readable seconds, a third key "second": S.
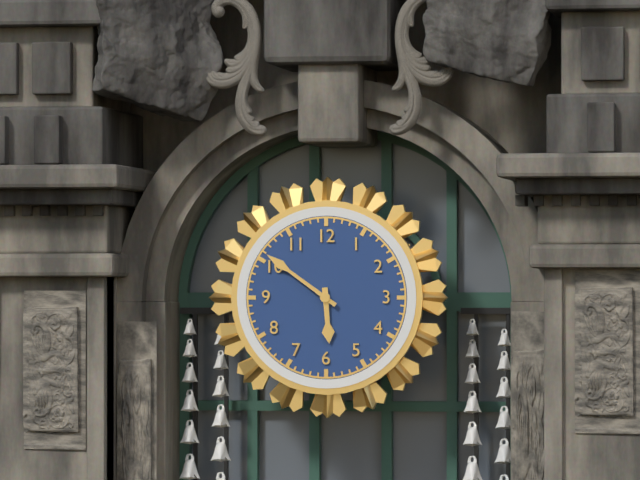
{"hour": 5, "minute": 51}
